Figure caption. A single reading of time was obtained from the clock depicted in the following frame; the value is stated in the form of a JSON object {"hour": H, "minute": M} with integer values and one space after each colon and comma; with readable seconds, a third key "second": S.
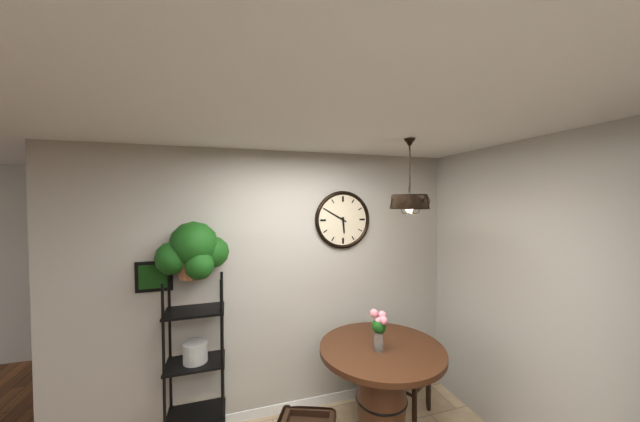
{"hour": 5, "minute": 50}
